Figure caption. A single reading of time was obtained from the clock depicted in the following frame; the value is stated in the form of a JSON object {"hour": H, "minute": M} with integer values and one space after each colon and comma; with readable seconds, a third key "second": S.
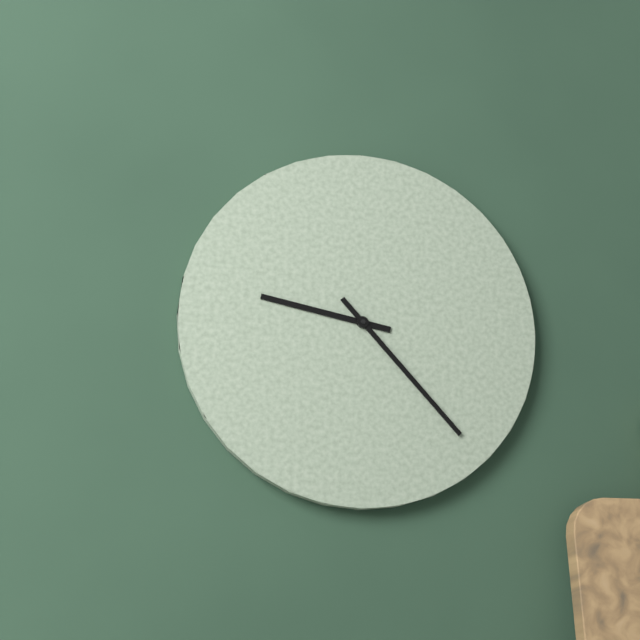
{"hour": 9, "minute": 23}
